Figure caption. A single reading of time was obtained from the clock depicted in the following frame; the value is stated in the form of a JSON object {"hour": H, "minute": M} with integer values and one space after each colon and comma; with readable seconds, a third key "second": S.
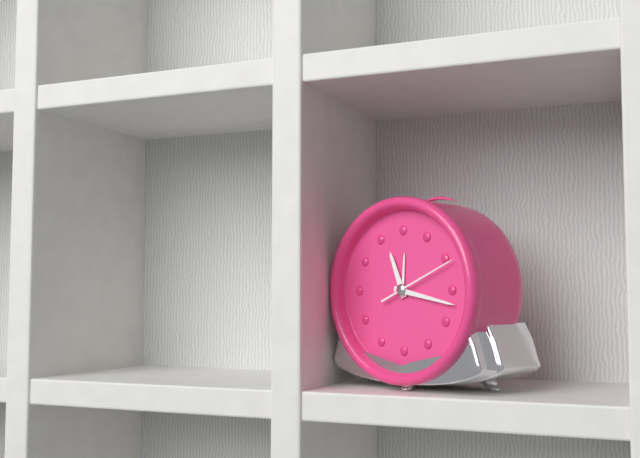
{"hour": 11, "minute": 17, "second": 11}
